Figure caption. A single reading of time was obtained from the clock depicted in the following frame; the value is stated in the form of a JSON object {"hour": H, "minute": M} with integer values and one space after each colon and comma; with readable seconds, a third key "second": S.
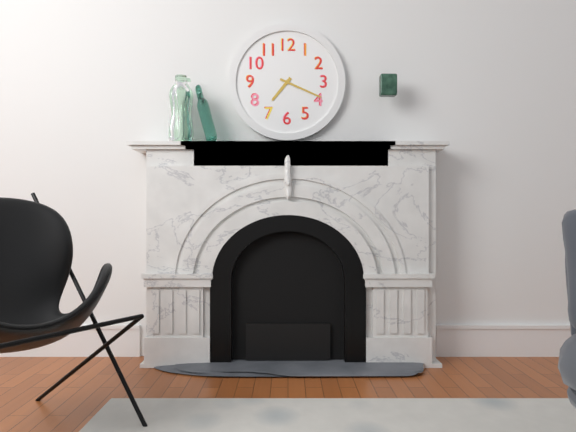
{"hour": 7, "minute": 19}
